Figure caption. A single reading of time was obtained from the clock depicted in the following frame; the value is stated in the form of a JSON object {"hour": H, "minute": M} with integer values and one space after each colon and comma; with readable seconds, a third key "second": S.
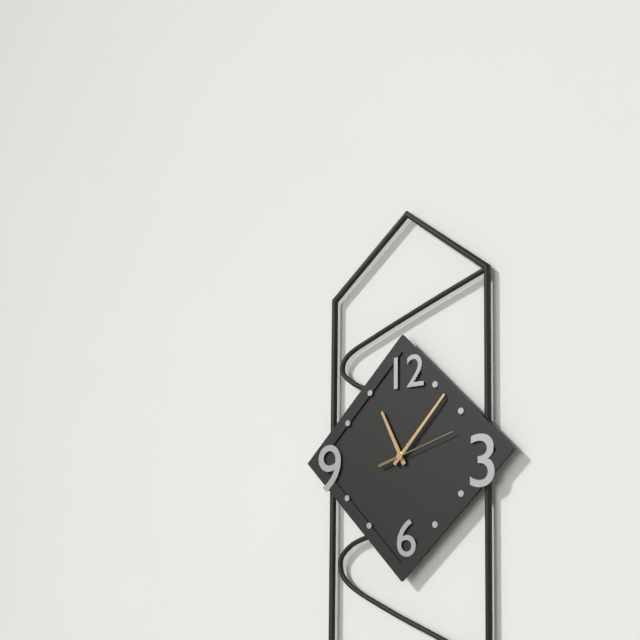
{"hour": 11, "minute": 7, "second": 12}
